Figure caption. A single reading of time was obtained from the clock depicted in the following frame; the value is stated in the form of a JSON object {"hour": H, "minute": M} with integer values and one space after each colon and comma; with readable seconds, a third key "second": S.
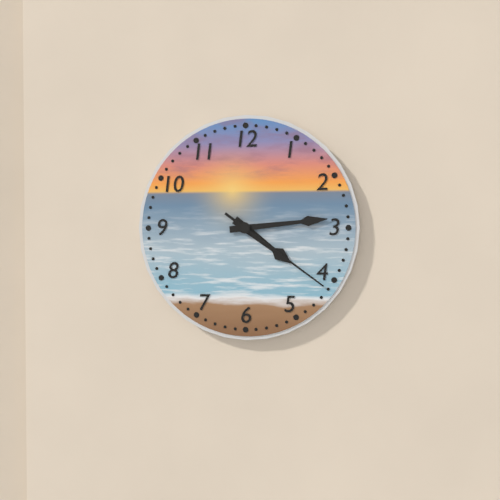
{"hour": 4, "minute": 14, "second": 21}
